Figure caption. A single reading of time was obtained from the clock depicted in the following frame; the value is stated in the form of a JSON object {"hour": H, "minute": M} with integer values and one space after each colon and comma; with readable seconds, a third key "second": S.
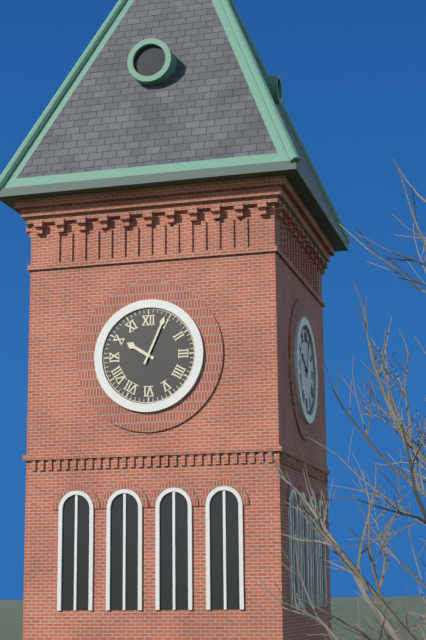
{"hour": 10, "minute": 4}
